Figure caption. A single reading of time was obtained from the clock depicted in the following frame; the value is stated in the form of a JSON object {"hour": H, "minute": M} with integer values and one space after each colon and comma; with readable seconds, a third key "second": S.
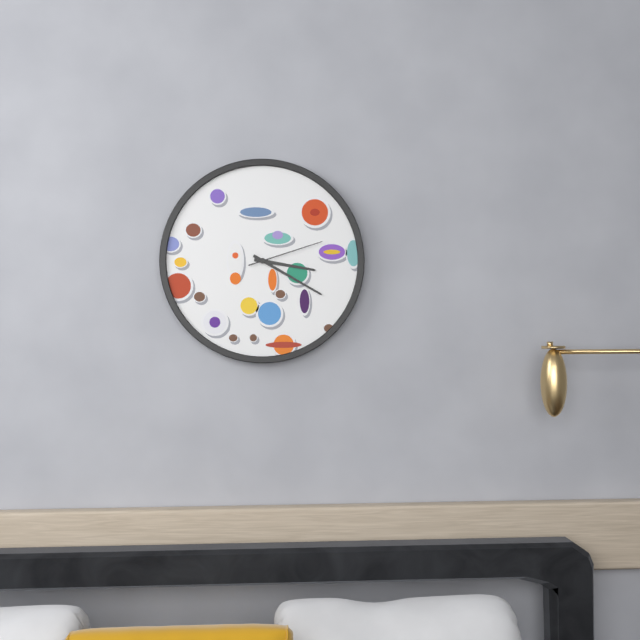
{"hour": 3, "minute": 20, "second": 12}
